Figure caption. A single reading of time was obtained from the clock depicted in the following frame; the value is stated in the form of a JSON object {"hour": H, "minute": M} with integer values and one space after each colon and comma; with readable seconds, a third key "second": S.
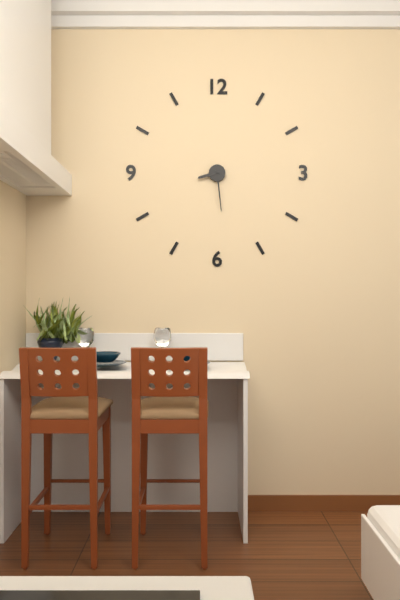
{"hour": 8, "minute": 29}
